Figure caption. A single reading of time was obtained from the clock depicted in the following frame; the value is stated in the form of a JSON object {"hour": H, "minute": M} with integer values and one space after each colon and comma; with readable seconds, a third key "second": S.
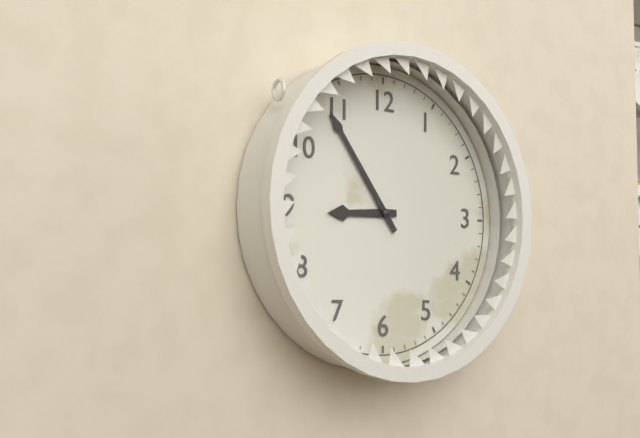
{"hour": 8, "minute": 54}
